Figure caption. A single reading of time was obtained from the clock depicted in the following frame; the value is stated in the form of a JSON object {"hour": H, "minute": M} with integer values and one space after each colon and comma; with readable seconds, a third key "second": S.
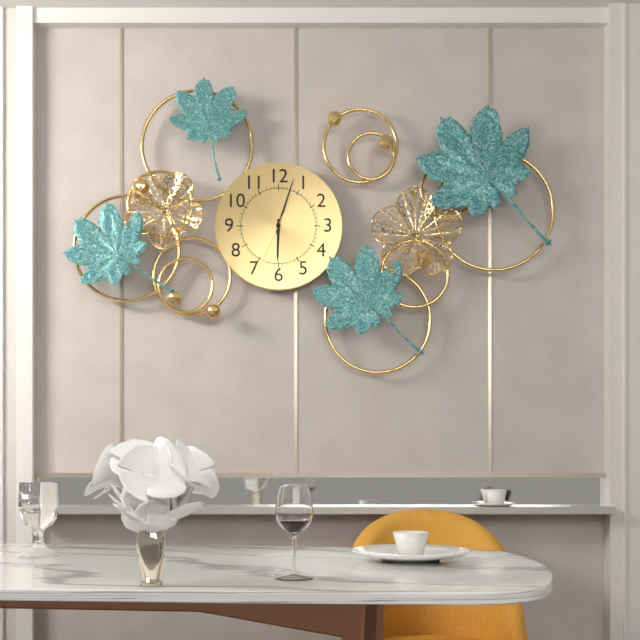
{"hour": 6, "minute": 3, "second": 34}
